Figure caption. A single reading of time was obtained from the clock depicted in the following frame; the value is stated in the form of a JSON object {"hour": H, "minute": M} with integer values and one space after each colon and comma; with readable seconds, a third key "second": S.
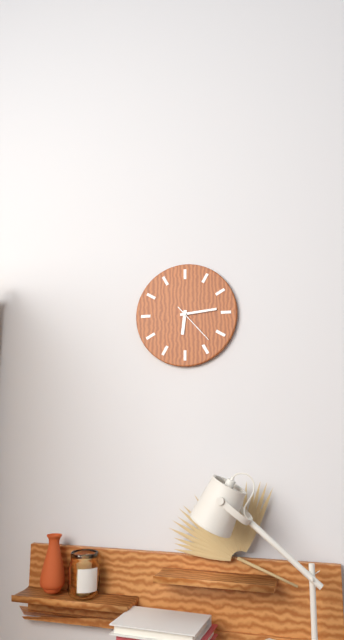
{"hour": 6, "minute": 14}
